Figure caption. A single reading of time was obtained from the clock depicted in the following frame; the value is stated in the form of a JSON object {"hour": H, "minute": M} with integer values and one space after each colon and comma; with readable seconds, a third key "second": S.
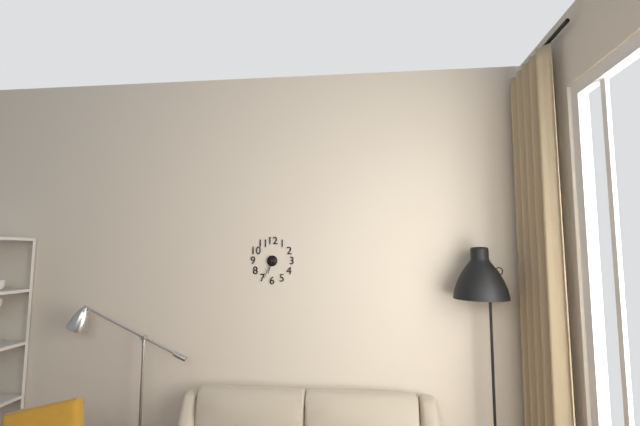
{"hour": 6, "minute": 34}
